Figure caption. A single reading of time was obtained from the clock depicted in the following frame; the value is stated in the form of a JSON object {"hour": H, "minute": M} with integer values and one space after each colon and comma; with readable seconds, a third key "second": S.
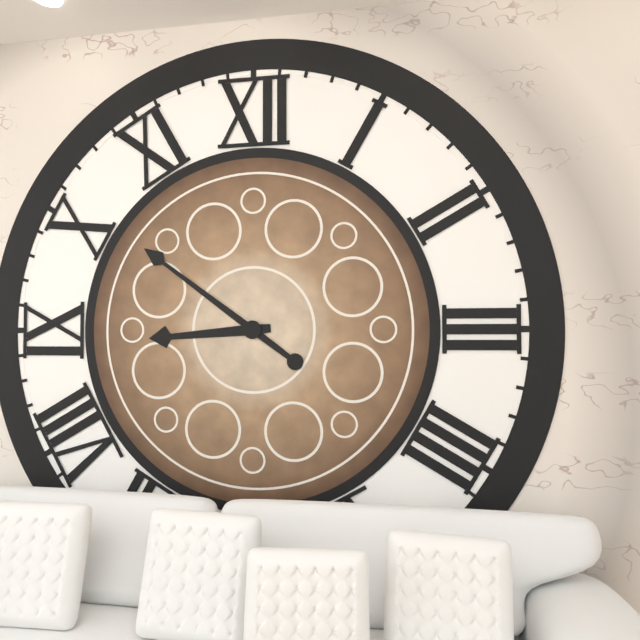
{"hour": 8, "minute": 51}
